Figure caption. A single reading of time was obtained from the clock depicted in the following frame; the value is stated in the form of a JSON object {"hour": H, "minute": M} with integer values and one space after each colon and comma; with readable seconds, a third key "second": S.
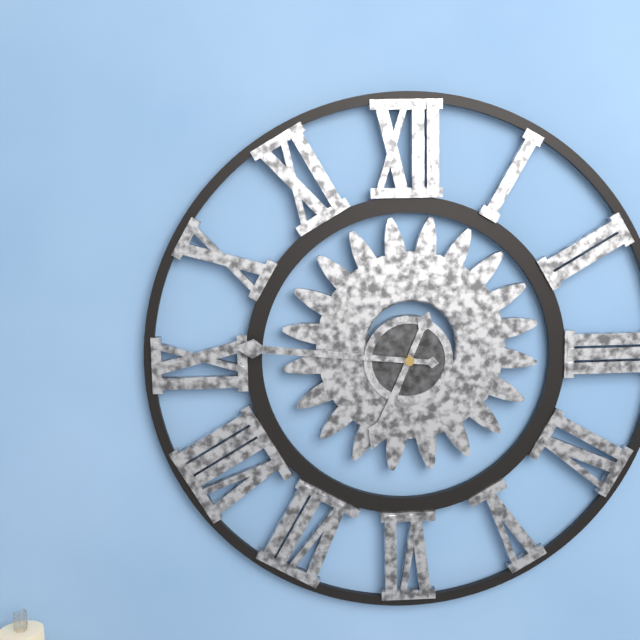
{"hour": 6, "minute": 46}
